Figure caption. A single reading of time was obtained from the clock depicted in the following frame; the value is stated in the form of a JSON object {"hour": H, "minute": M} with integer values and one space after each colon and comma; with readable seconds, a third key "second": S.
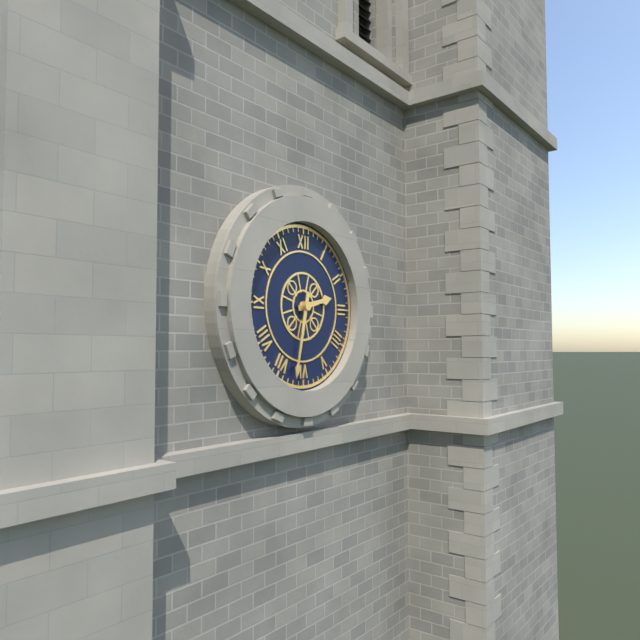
{"hour": 2, "minute": 32}
